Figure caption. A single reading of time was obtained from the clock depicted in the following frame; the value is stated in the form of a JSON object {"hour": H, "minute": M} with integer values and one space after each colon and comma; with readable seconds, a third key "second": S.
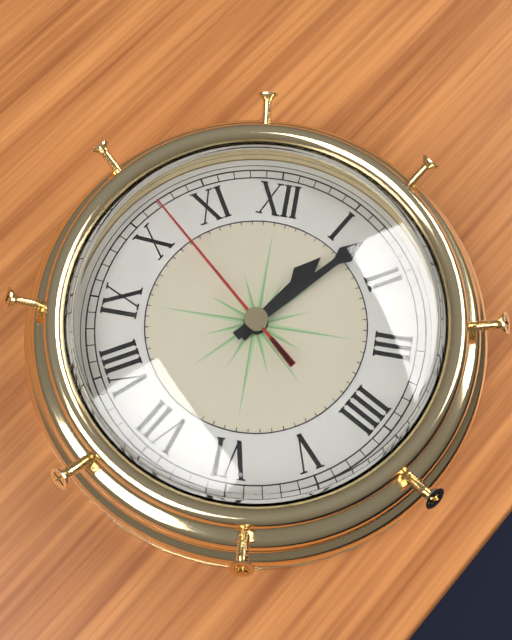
{"hour": 1, "minute": 7, "second": 52}
